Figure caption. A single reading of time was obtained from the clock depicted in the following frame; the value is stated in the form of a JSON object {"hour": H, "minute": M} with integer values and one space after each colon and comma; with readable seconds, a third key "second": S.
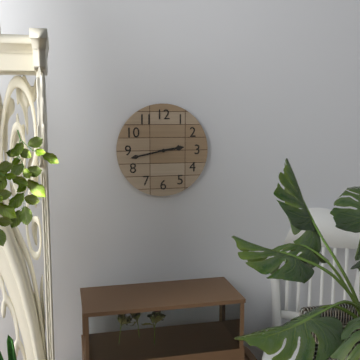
{"hour": 2, "minute": 43}
